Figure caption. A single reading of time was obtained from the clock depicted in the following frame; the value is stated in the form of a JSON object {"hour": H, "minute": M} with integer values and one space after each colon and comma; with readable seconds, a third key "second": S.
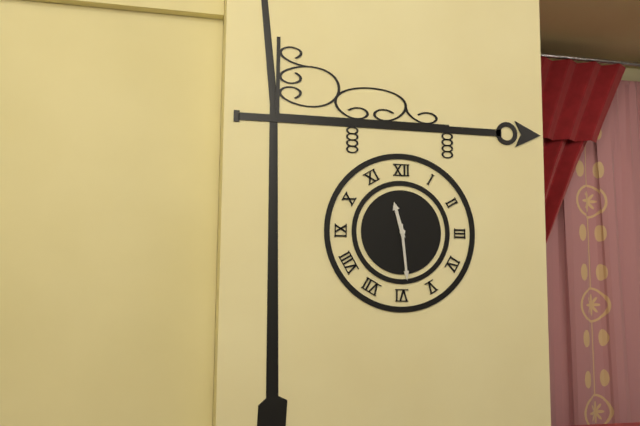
{"hour": 11, "minute": 29}
